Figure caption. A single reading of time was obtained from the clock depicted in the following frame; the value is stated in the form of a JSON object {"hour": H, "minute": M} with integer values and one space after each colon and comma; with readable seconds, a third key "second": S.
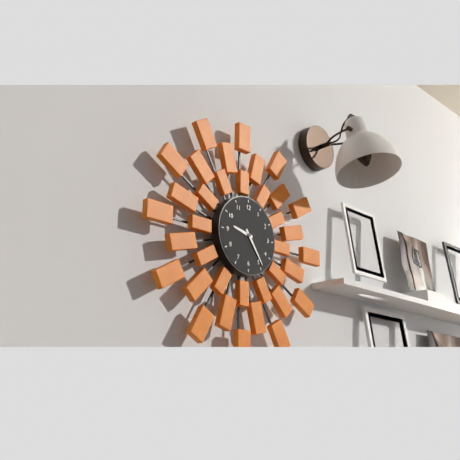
{"hour": 9, "minute": 24}
